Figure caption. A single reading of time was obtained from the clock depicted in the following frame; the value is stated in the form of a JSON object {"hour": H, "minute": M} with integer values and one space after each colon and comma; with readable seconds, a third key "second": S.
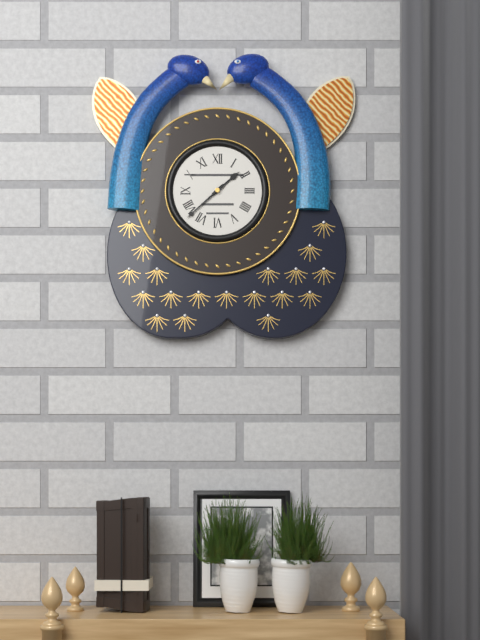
{"hour": 1, "minute": 38}
